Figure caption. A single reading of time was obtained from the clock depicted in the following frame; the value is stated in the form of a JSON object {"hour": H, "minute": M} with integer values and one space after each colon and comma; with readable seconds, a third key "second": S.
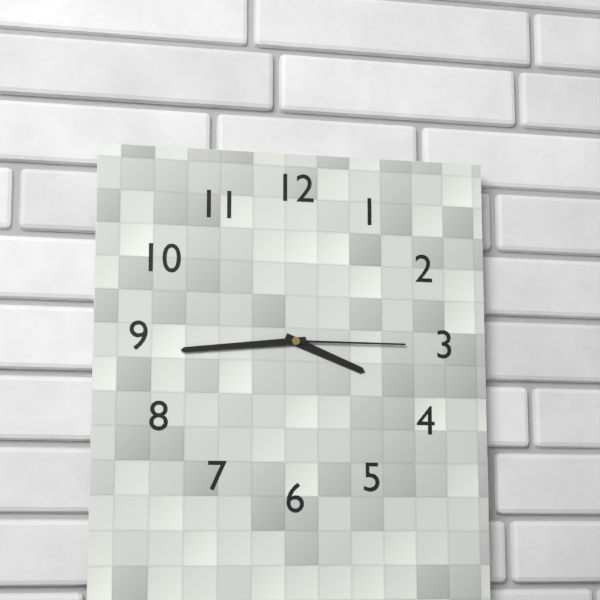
{"hour": 3, "minute": 44, "second": 15}
